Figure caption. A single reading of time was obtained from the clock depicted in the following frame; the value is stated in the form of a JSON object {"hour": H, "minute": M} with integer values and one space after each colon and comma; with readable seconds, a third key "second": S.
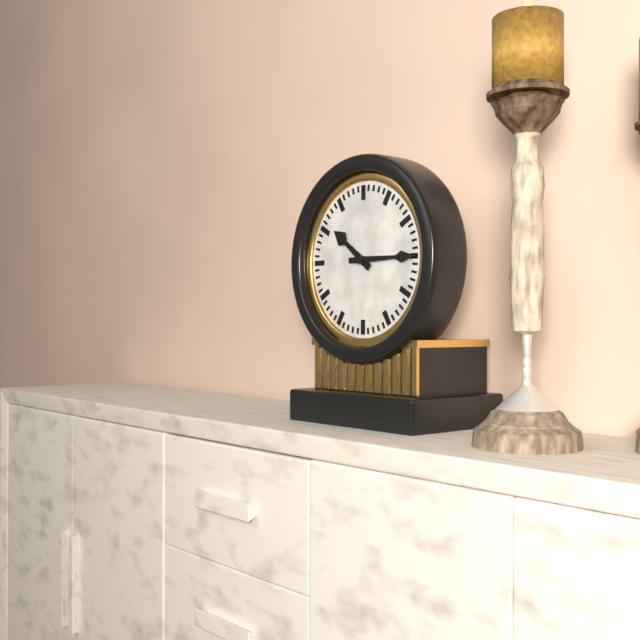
{"hour": 10, "minute": 15}
